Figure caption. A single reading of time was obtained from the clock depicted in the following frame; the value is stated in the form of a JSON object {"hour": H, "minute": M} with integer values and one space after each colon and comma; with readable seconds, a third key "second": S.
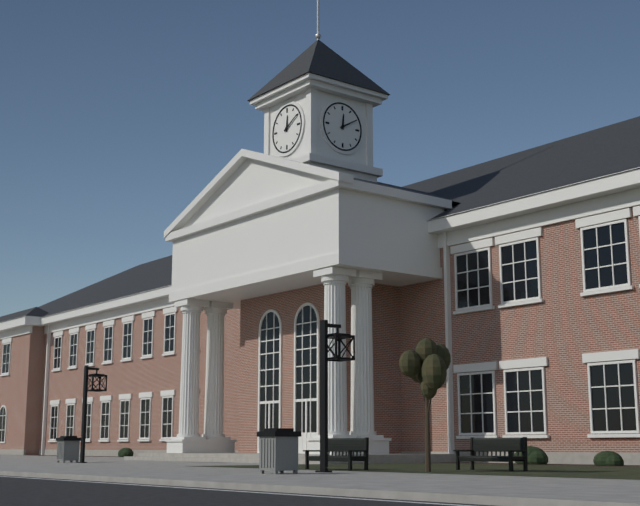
{"hour": 12, "minute": 10}
